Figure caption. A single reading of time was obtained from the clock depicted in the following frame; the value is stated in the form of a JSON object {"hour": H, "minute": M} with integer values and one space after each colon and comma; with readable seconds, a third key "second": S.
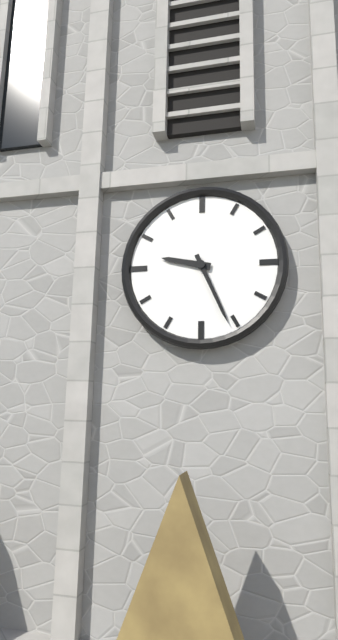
{"hour": 9, "minute": 26}
